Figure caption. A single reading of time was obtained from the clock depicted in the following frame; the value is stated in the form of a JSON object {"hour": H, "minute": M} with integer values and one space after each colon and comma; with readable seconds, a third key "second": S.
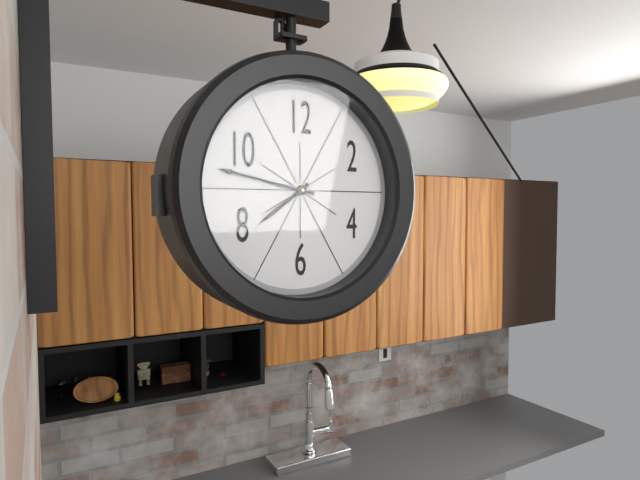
{"hour": 7, "minute": 47}
